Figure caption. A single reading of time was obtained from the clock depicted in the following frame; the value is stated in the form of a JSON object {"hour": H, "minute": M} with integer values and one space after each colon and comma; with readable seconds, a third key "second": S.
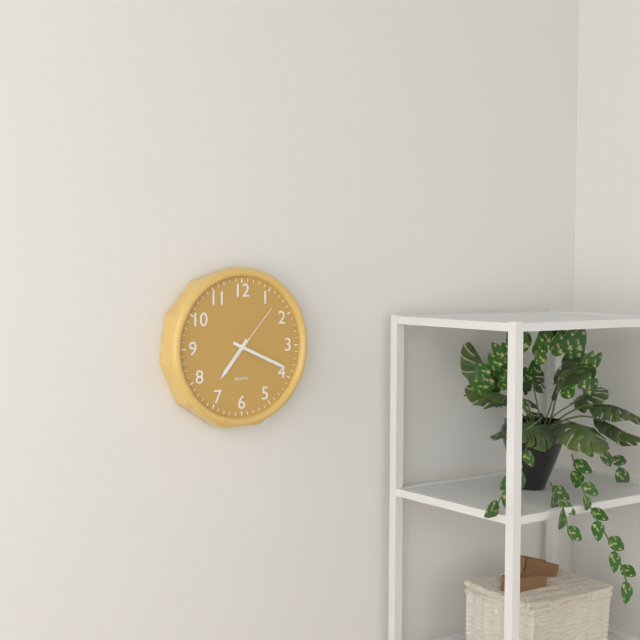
{"hour": 7, "minute": 19, "second": 7}
